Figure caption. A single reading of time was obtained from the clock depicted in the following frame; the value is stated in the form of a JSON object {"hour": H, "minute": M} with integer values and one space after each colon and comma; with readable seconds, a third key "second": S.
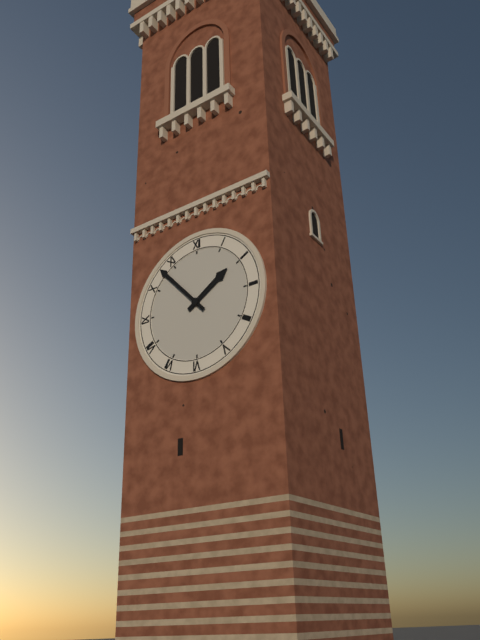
{"hour": 1, "minute": 53}
